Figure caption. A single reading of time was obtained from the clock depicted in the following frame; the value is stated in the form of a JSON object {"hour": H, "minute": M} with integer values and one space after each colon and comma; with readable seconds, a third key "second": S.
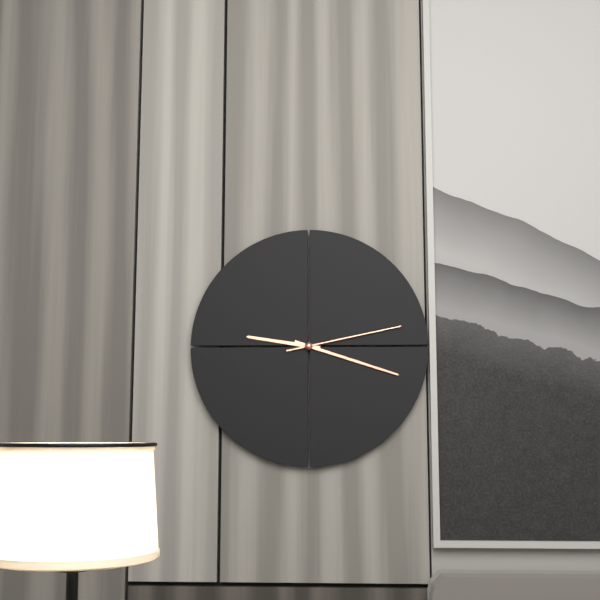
{"hour": 9, "minute": 18, "second": 13}
